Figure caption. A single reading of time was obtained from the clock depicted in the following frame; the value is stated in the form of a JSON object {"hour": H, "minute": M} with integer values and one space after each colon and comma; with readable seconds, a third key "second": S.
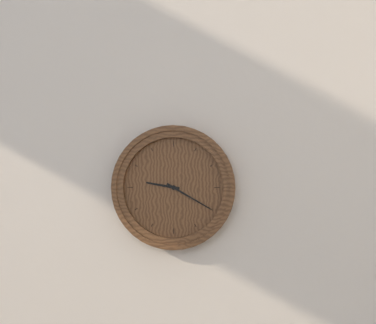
{"hour": 9, "minute": 20}
